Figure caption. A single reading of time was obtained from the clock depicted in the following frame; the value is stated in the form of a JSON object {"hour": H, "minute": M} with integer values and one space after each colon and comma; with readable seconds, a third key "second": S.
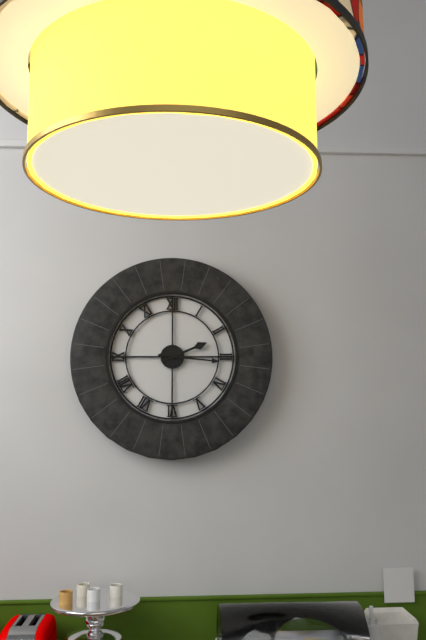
{"hour": 2, "minute": 16}
